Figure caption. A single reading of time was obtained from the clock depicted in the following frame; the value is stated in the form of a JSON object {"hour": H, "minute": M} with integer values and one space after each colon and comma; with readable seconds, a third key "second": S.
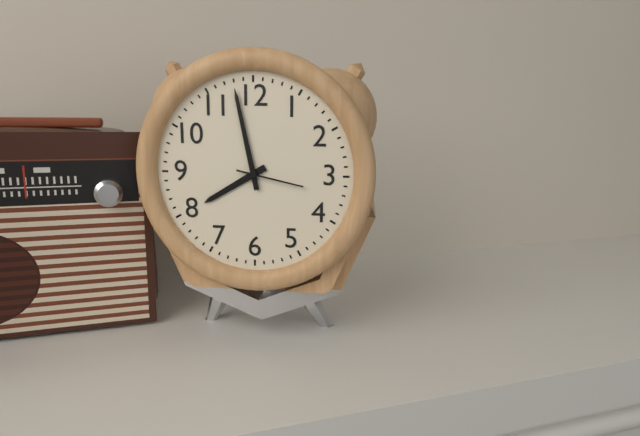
{"hour": 7, "minute": 58, "second": 17}
